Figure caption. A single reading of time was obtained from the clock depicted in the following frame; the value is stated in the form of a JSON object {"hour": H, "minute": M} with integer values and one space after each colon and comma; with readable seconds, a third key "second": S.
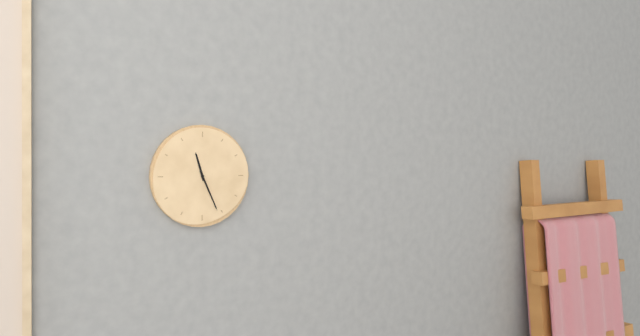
{"hour": 11, "minute": 26}
